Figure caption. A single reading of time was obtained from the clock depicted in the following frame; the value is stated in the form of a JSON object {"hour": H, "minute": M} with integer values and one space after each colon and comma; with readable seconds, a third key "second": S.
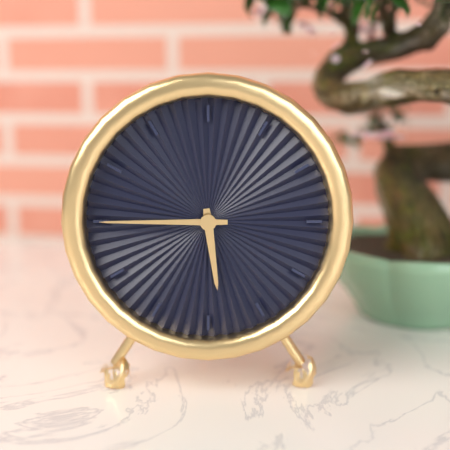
{"hour": 5, "minute": 45}
